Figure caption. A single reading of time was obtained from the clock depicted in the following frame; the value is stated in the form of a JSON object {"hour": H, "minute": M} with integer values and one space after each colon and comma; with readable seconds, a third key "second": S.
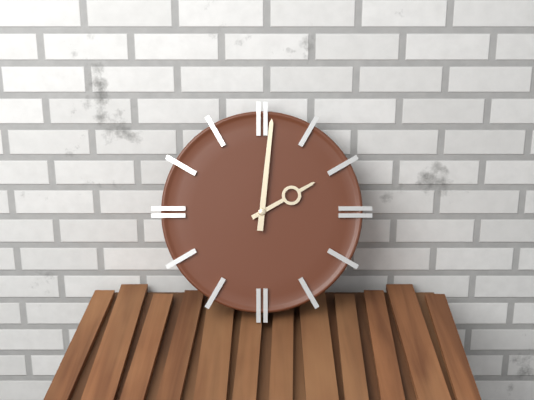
{"hour": 2, "minute": 1}
